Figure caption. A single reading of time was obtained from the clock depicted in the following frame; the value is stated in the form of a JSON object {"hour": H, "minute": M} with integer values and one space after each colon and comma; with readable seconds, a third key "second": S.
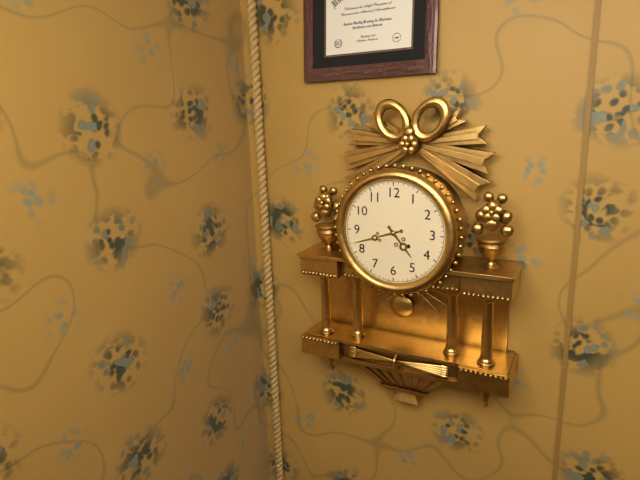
{"hour": 4, "minute": 42}
